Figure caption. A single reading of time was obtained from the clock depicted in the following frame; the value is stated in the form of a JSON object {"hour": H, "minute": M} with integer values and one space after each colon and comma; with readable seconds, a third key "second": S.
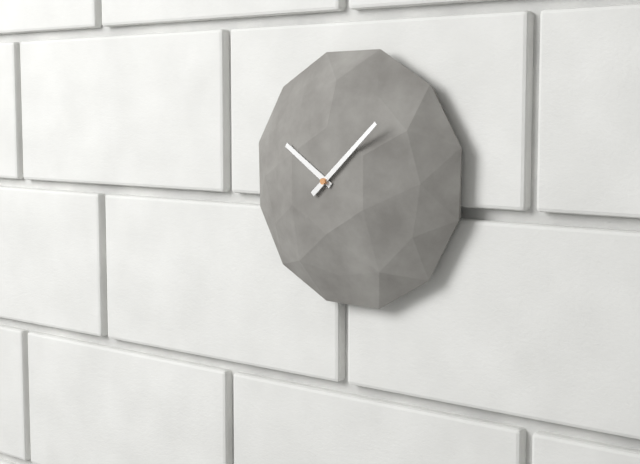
{"hour": 10, "minute": 8}
